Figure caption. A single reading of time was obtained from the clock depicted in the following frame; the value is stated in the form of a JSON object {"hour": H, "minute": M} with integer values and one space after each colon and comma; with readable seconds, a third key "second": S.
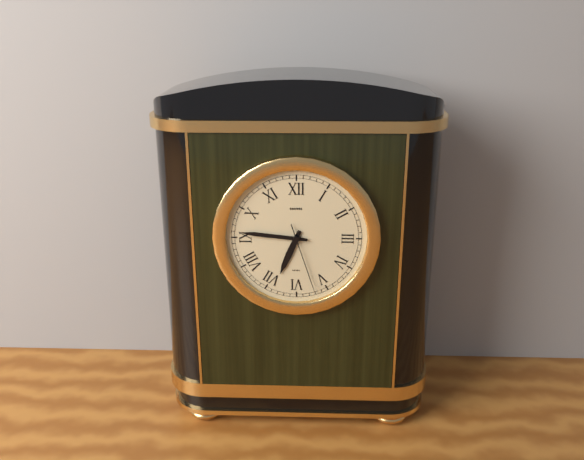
{"hour": 6, "minute": 46, "second": 27}
